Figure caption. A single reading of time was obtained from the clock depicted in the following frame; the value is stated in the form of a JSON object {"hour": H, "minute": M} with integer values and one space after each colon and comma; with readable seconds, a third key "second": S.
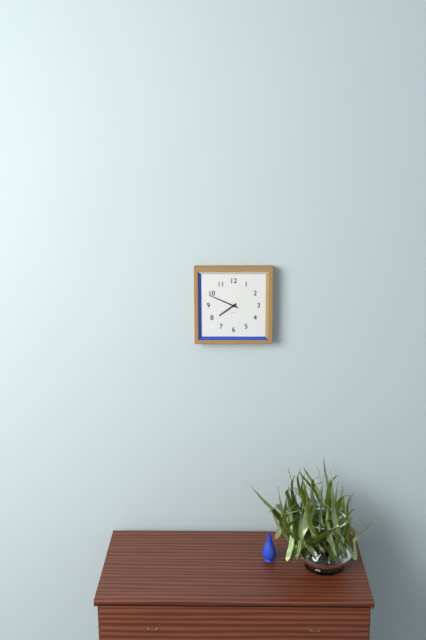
{"hour": 7, "minute": 49}
